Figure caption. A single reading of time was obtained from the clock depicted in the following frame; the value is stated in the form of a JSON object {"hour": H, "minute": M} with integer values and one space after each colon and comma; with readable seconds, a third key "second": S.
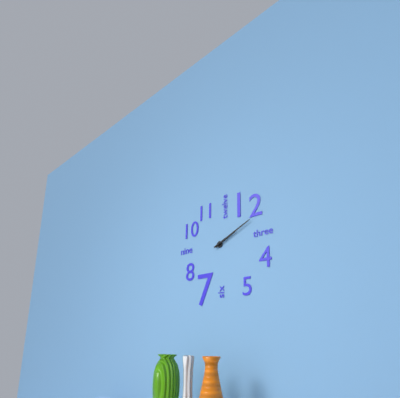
{"hour": 2, "minute": 11}
